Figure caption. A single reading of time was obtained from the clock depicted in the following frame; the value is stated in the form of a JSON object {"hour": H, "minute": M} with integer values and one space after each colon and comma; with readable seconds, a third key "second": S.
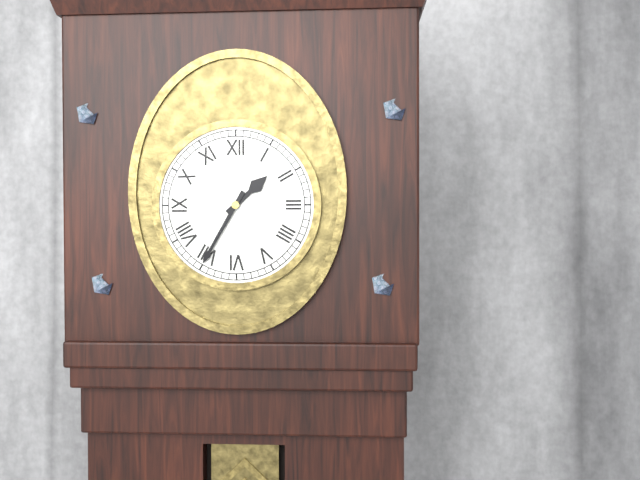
{"hour": 1, "minute": 35}
